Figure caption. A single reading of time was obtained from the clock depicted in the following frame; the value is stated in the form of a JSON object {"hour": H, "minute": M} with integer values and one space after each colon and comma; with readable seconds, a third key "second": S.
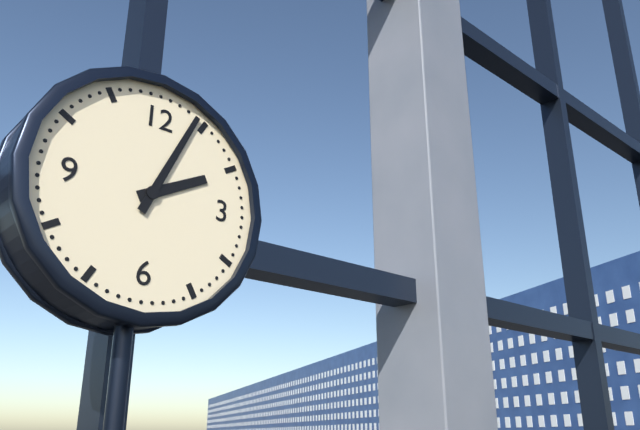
{"hour": 2, "minute": 4}
